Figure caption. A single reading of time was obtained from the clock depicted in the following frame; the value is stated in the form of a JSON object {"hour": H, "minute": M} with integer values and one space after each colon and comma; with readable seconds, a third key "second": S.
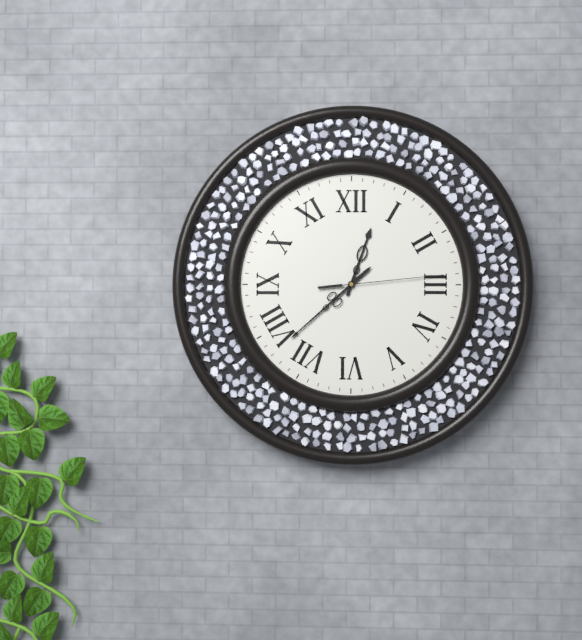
{"hour": 12, "minute": 38, "second": 14}
